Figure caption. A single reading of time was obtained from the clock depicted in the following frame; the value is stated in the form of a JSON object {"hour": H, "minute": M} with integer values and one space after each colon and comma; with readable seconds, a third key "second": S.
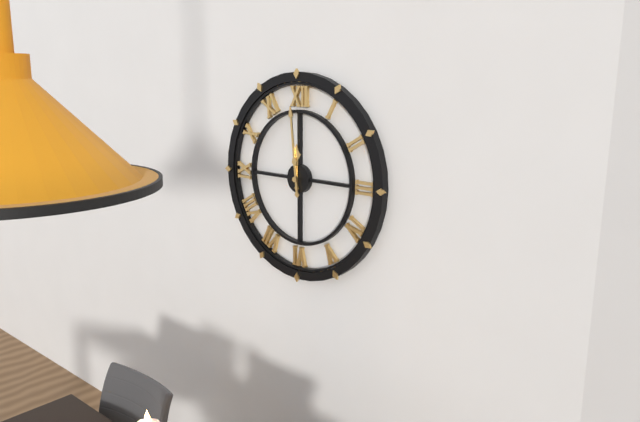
{"hour": 11, "minute": 59}
